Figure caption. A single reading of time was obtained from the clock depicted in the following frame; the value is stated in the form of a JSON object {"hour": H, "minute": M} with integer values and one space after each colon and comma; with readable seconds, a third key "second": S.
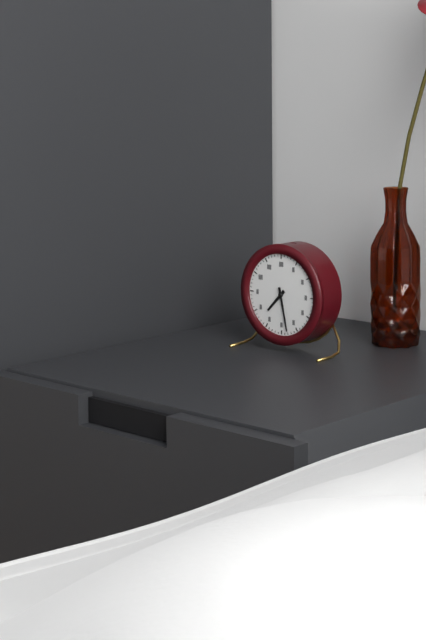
{"hour": 7, "minute": 28}
